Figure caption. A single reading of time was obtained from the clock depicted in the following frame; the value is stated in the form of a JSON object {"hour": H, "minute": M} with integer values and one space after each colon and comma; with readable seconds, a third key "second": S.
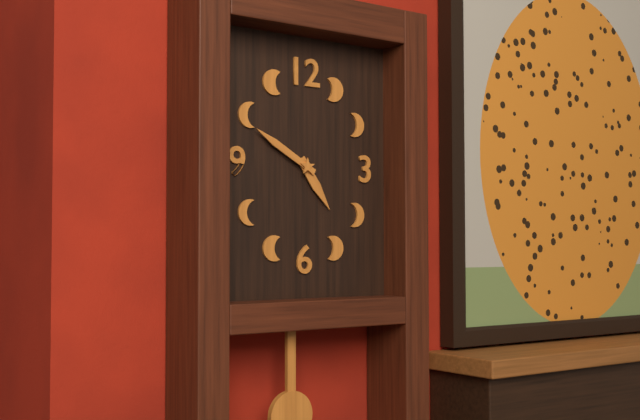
{"hour": 4, "minute": 50}
